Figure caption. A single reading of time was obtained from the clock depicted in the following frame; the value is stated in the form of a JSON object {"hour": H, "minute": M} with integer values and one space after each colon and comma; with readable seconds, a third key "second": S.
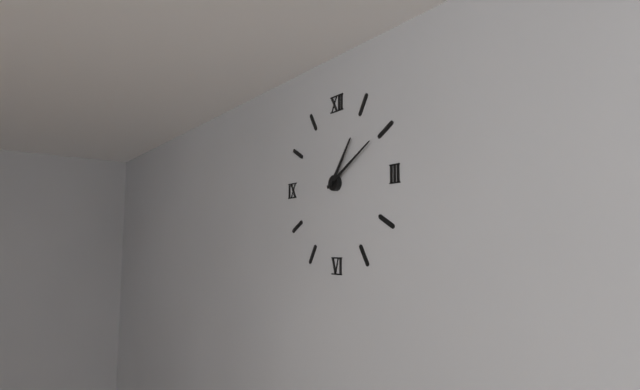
{"hour": 1, "minute": 10}
